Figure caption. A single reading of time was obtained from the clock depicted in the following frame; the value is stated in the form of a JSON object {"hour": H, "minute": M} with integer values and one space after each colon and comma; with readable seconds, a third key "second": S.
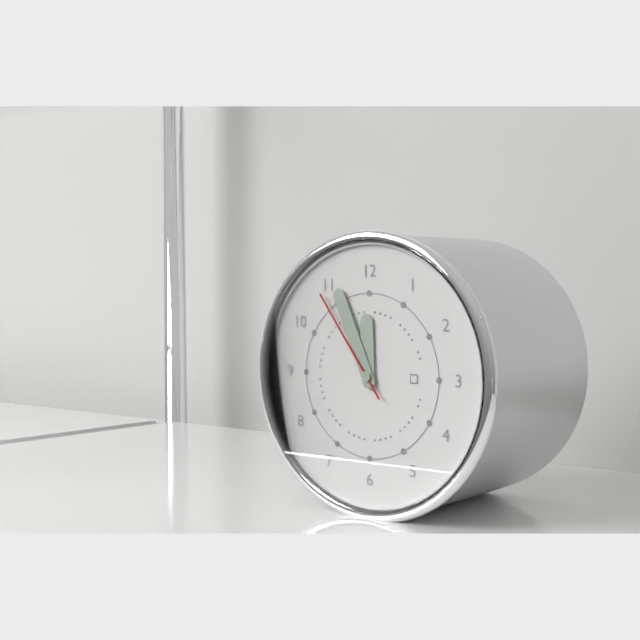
{"hour": 11, "minute": 56, "second": 54}
